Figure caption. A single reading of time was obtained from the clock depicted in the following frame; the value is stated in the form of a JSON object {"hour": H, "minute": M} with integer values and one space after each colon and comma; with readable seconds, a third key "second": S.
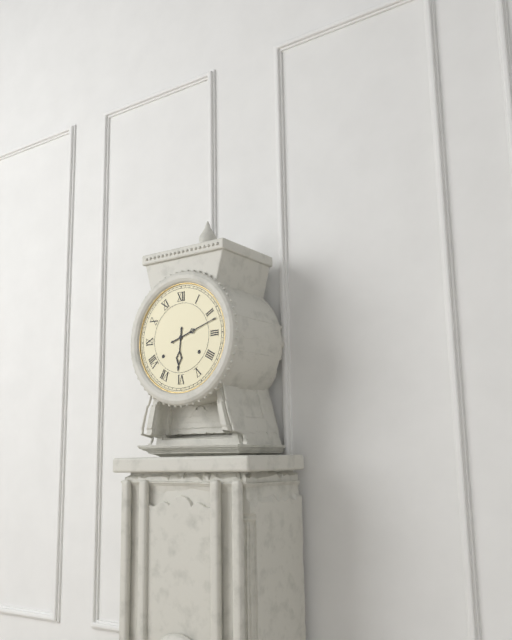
{"hour": 6, "minute": 12}
